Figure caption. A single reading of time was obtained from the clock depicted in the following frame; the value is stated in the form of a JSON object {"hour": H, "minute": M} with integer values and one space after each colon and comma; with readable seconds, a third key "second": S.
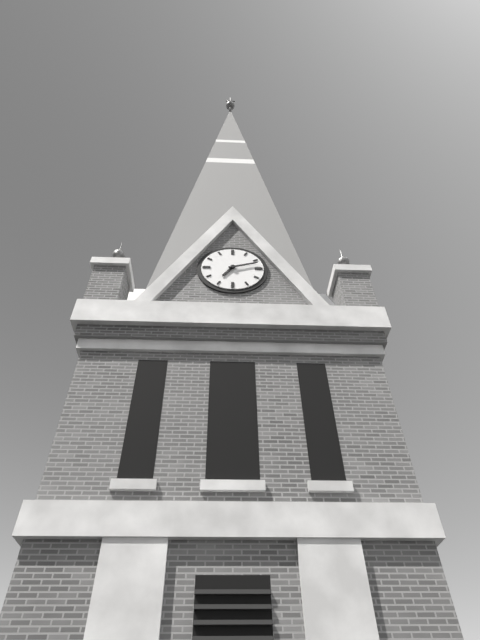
{"hour": 7, "minute": 12}
